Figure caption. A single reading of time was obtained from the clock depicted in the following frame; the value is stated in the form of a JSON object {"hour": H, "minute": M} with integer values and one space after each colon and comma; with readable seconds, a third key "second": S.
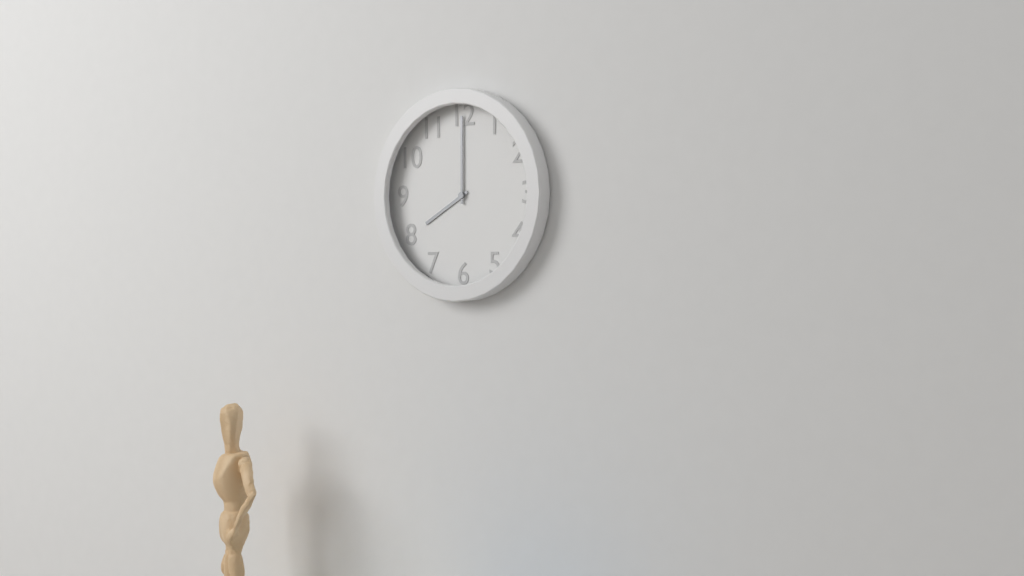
{"hour": 8, "minute": 0}
